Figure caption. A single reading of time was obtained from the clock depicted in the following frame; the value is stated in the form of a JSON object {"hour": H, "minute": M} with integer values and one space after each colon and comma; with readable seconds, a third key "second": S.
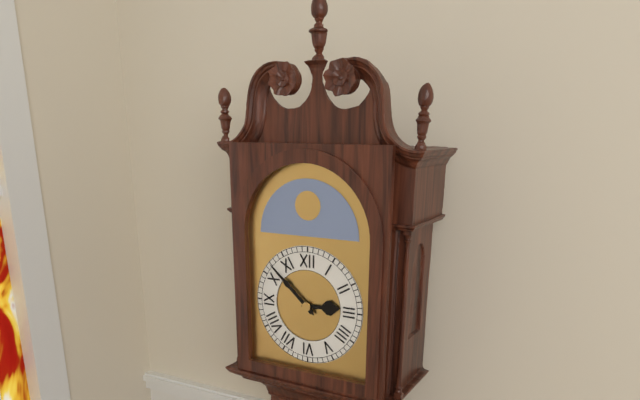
{"hour": 2, "minute": 52}
